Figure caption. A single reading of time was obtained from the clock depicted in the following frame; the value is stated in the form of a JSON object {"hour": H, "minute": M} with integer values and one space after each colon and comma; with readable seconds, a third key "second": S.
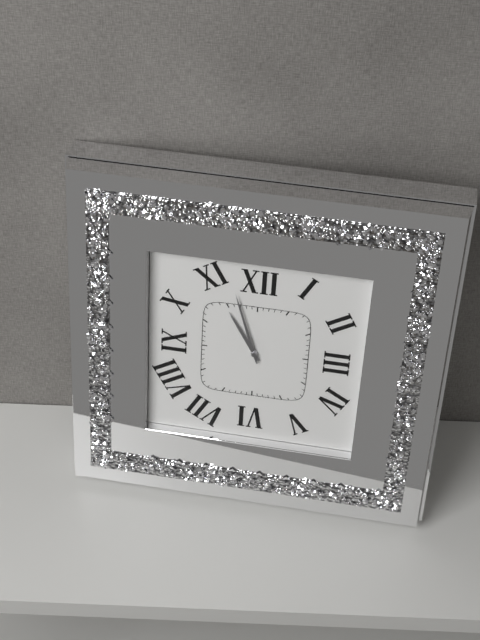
{"hour": 10, "minute": 57}
